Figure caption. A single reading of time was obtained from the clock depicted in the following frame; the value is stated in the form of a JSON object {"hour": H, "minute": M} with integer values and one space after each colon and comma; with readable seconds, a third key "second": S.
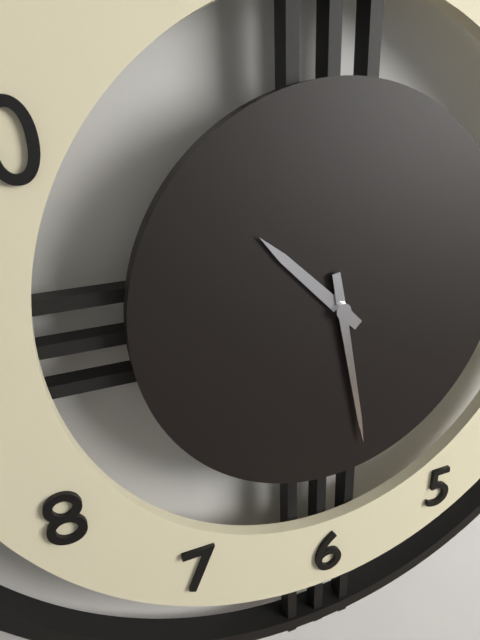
{"hour": 10, "minute": 28}
